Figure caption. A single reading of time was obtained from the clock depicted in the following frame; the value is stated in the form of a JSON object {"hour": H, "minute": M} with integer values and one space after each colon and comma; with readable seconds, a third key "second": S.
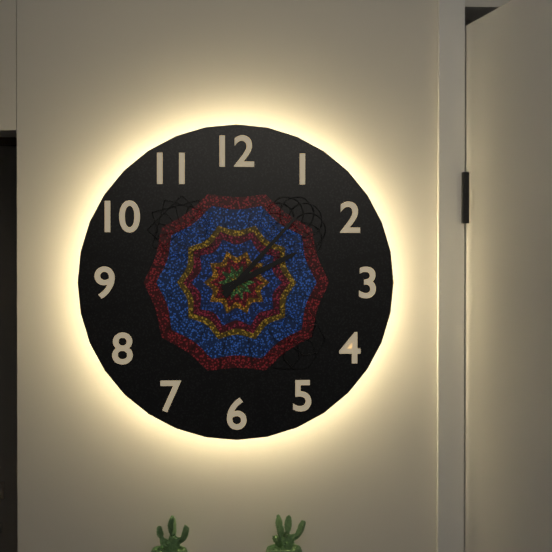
{"hour": 2, "minute": 7}
